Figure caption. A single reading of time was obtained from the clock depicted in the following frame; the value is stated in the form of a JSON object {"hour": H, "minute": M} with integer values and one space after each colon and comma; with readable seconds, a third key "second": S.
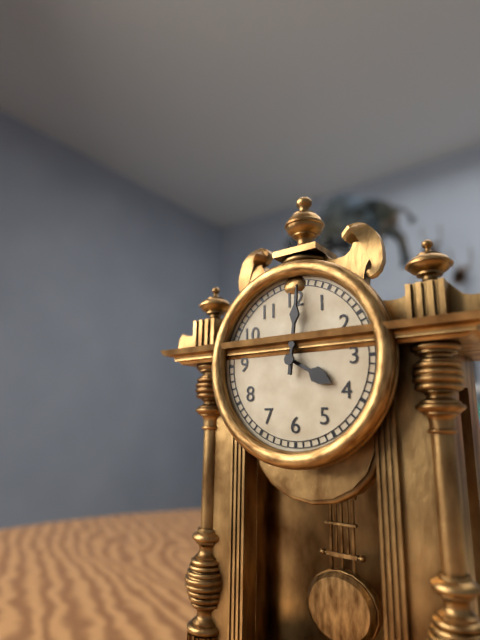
{"hour": 4, "minute": 1}
